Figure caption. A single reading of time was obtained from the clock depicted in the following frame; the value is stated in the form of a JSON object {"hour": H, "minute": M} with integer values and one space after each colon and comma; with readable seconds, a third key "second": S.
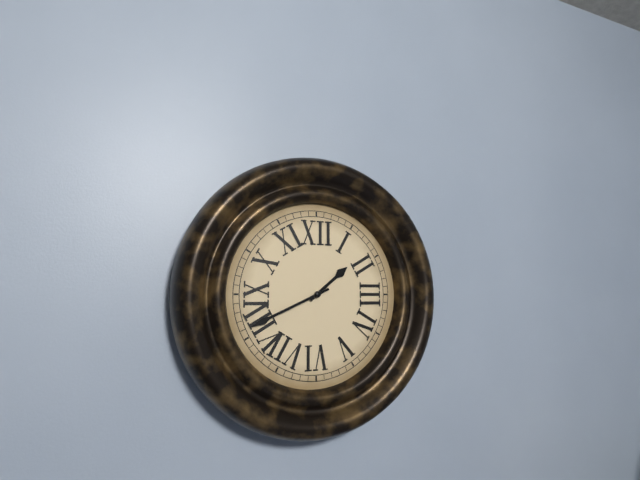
{"hour": 1, "minute": 41}
